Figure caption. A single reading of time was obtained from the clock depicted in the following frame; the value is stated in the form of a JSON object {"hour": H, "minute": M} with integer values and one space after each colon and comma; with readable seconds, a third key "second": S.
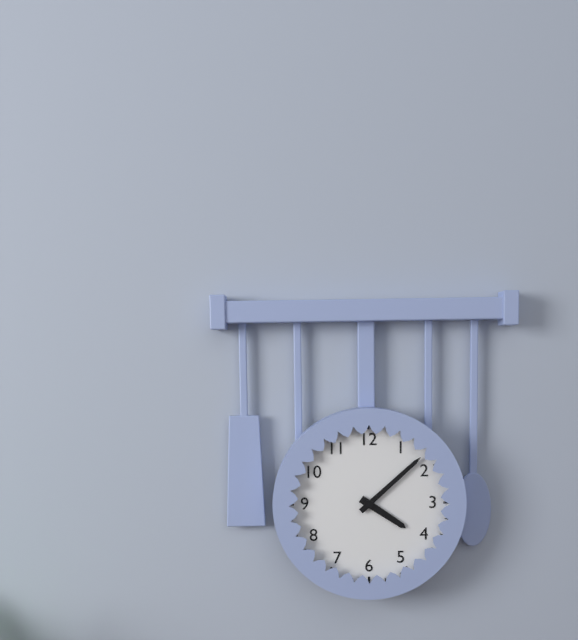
{"hour": 4, "minute": 8}
